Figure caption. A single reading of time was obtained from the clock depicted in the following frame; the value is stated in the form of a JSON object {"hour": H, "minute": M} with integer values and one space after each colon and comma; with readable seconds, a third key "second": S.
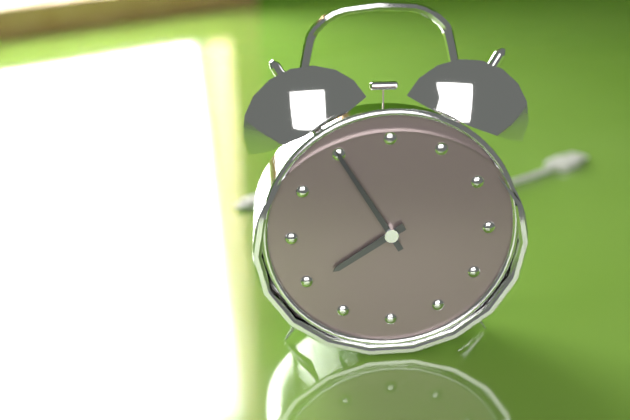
{"hour": 7, "minute": 55}
